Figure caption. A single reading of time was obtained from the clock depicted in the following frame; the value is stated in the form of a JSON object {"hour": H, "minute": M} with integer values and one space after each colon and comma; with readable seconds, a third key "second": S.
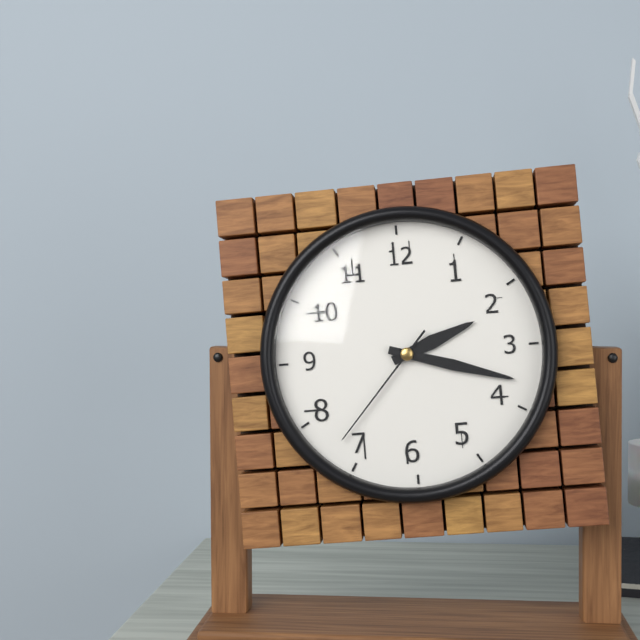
{"hour": 2, "minute": 18, "second": 37}
